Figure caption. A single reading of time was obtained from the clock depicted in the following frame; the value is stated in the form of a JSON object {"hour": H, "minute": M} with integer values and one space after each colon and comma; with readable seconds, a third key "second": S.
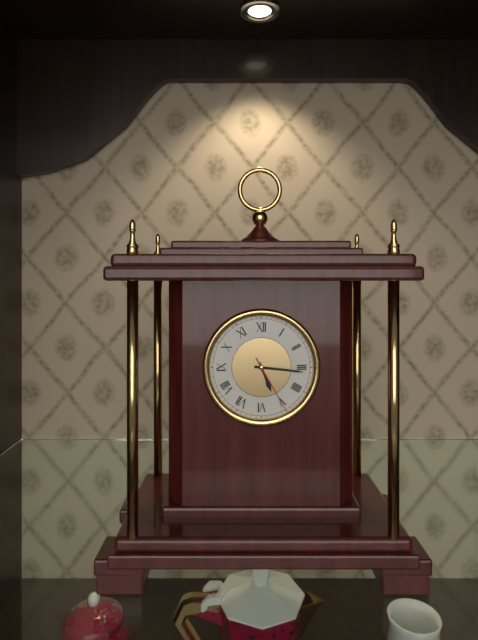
{"hour": 5, "minute": 16, "second": 25}
